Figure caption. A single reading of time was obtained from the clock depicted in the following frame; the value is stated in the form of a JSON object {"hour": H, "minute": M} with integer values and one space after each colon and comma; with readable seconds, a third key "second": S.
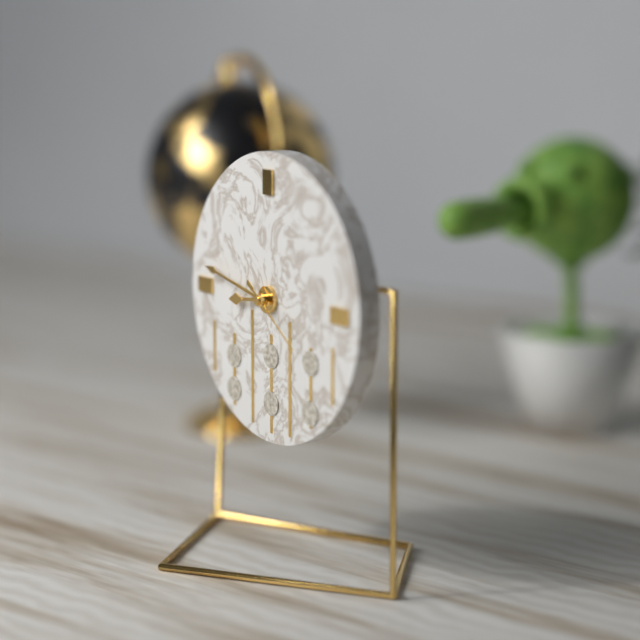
{"hour": 8, "minute": 47, "second": 21}
